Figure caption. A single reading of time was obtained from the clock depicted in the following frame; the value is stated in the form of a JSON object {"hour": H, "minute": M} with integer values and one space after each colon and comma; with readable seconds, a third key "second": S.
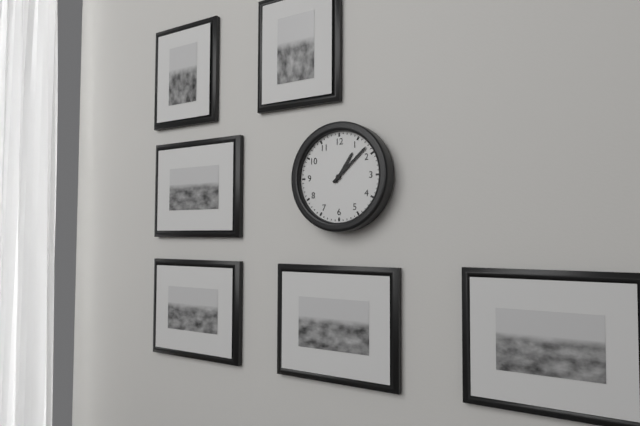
{"hour": 1, "minute": 8}
